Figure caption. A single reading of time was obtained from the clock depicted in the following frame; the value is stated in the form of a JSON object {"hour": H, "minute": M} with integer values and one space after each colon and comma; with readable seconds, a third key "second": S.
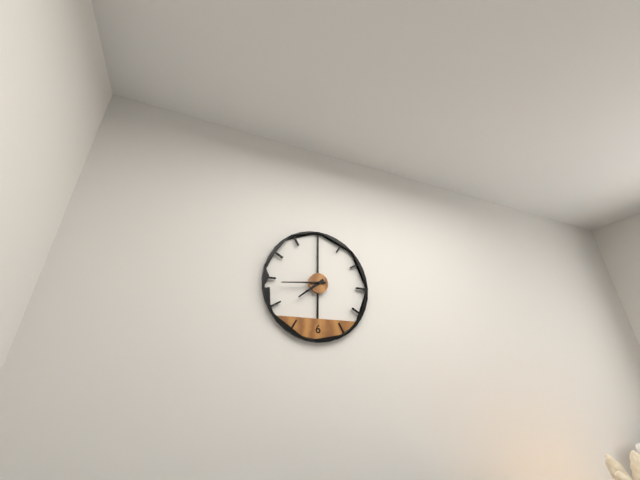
{"hour": 7, "minute": 44}
